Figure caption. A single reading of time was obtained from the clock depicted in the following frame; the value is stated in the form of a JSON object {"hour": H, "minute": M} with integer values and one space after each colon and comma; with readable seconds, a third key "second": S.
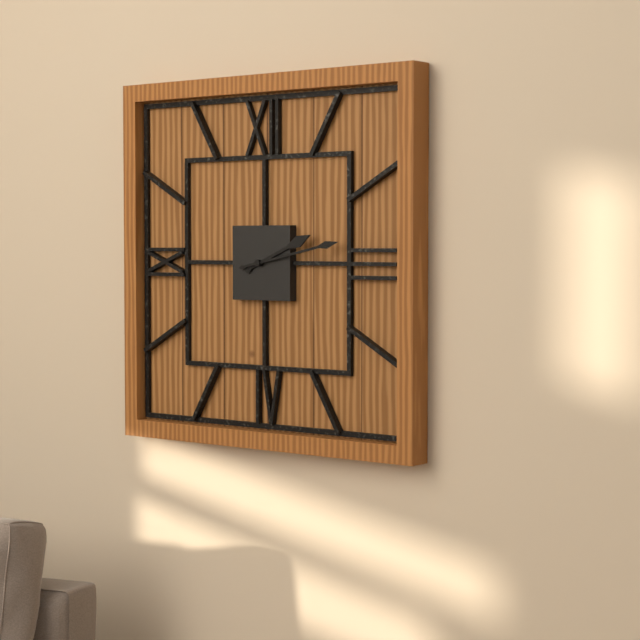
{"hour": 2, "minute": 13}
